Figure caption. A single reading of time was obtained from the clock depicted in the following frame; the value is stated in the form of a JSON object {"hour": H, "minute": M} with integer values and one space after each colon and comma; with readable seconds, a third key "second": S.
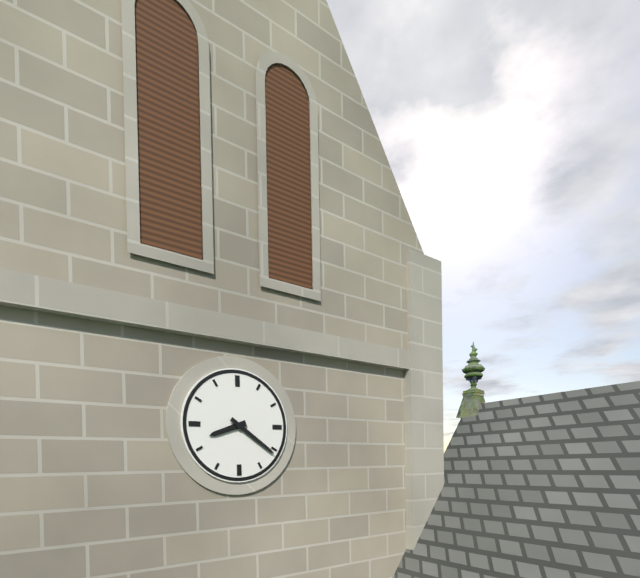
{"hour": 8, "minute": 21}
